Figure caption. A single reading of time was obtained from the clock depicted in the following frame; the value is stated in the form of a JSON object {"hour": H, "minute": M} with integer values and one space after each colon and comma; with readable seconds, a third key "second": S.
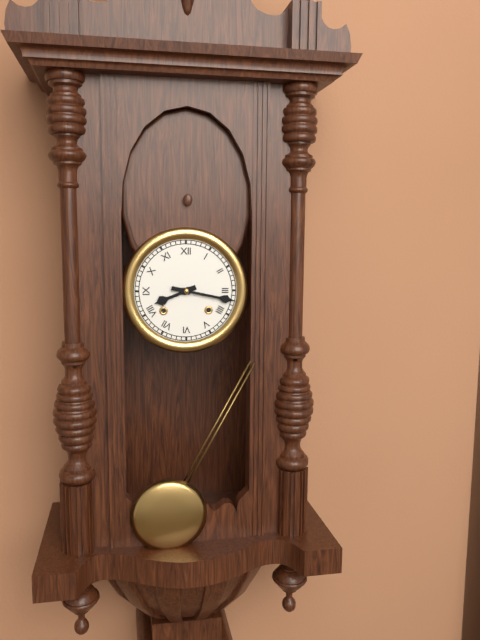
{"hour": 8, "minute": 17}
